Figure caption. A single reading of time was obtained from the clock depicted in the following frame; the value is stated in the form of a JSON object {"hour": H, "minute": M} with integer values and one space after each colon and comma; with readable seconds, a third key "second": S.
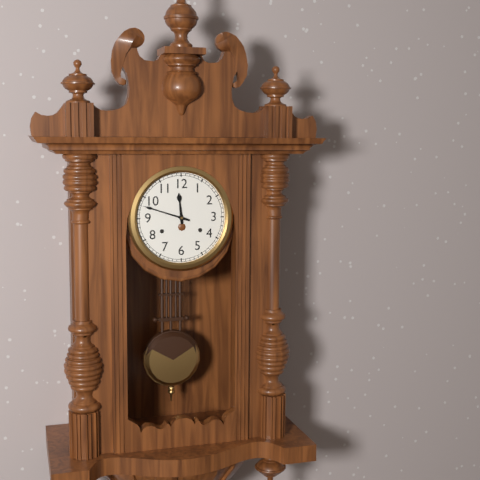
{"hour": 11, "minute": 48}
